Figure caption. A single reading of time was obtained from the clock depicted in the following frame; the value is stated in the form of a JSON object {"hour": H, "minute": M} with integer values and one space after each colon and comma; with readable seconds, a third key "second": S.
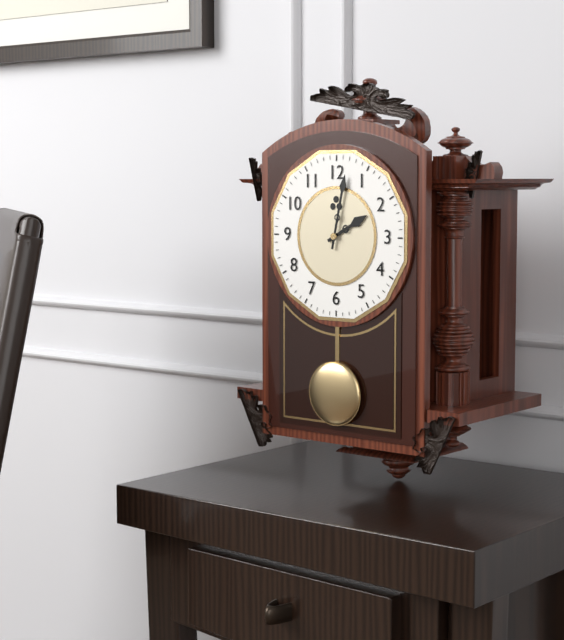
{"hour": 2, "minute": 2}
